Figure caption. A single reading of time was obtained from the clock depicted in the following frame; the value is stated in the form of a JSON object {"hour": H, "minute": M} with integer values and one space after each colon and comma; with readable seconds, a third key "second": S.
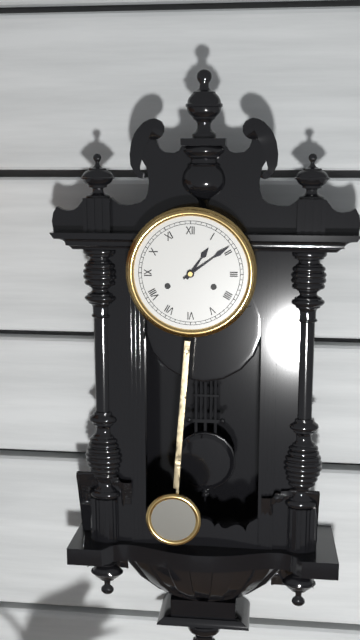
{"hour": 1, "minute": 9}
